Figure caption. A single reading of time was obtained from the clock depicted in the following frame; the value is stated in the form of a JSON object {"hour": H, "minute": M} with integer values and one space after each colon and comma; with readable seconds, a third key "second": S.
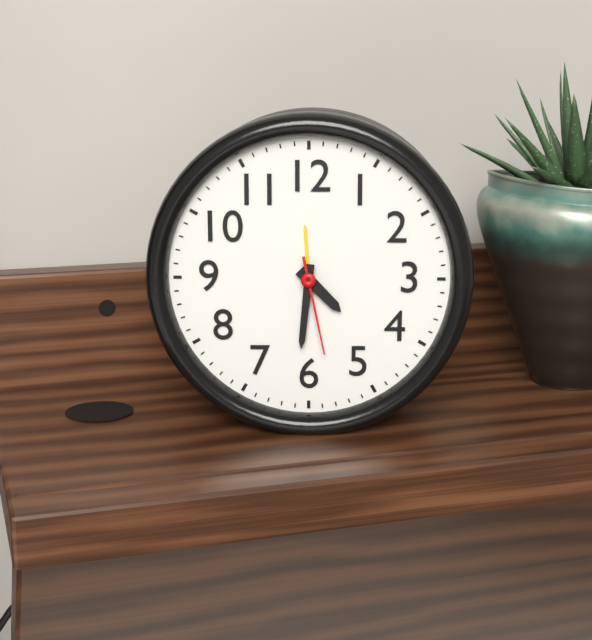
{"hour": 4, "minute": 31, "second": 28}
